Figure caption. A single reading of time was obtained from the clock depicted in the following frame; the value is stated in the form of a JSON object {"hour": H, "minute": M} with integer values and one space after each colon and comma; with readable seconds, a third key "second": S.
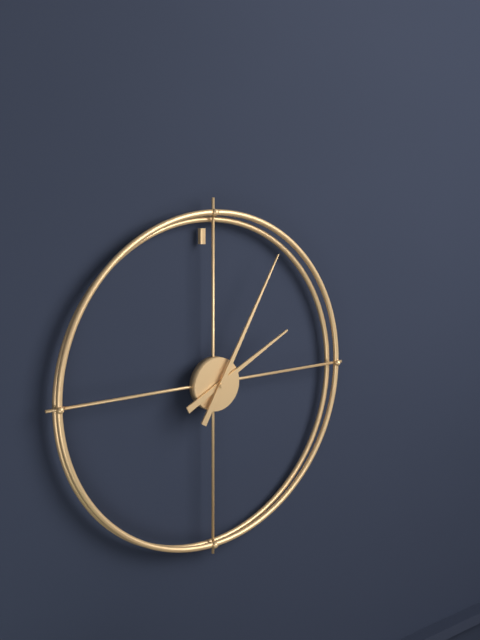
{"hour": 2, "minute": 5}
